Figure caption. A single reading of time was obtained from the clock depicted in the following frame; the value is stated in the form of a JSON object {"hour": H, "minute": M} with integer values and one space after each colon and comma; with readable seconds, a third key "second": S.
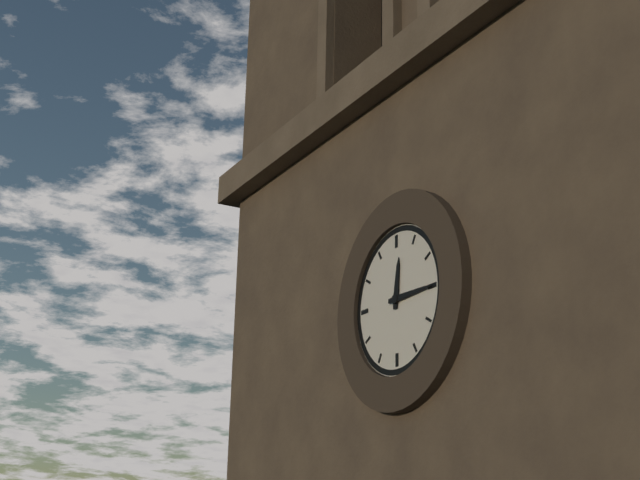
{"hour": 12, "minute": 15}
